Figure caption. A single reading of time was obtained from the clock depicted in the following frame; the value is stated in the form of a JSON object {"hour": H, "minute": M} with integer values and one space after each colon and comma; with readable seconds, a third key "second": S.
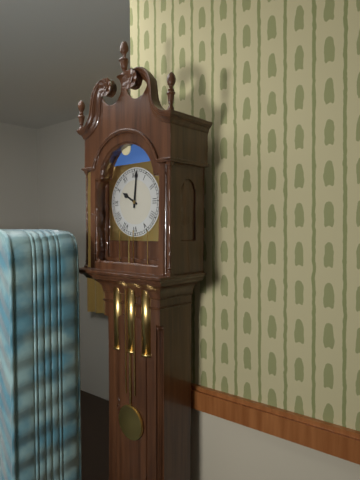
{"hour": 10, "minute": 1}
